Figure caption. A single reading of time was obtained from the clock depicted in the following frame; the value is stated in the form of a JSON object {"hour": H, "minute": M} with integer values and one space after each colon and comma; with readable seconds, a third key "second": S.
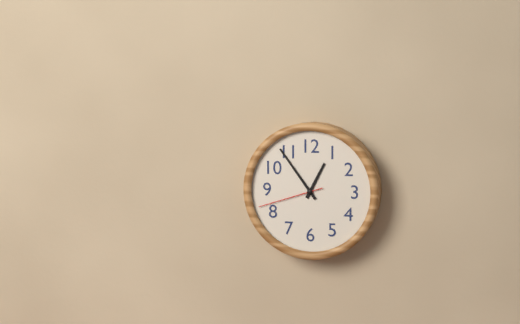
{"hour": 12, "minute": 54, "second": 42}
